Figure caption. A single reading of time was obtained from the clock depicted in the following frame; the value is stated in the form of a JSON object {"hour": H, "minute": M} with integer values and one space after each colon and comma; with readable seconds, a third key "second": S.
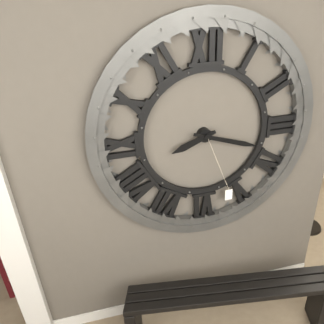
{"hour": 8, "minute": 18}
